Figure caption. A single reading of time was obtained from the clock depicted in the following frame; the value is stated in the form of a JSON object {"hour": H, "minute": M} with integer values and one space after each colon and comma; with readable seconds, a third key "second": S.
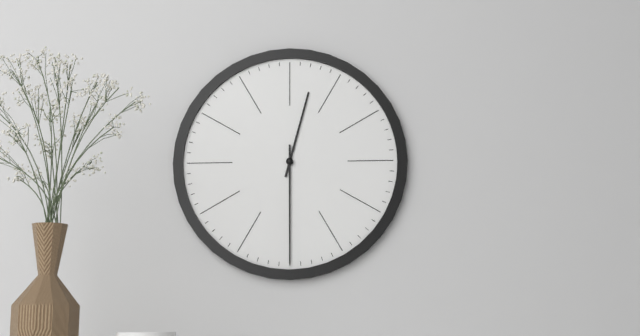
{"hour": 12, "minute": 30}
